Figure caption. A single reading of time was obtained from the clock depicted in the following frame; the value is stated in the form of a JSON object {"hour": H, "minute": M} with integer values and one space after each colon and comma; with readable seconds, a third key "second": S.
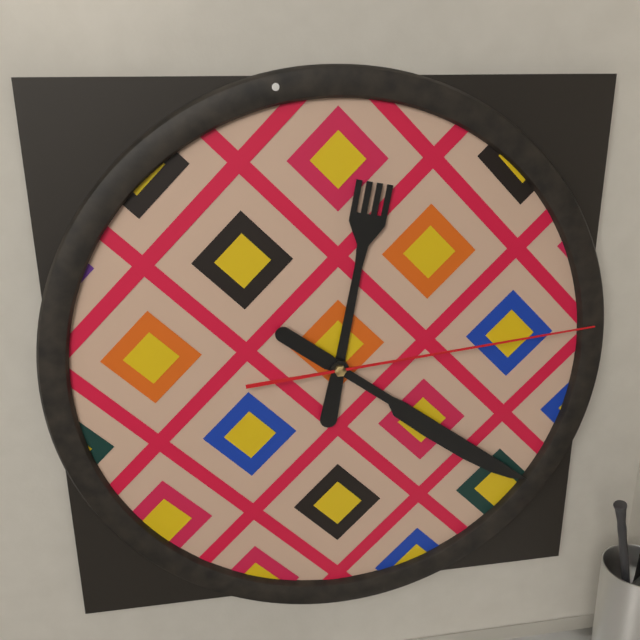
{"hour": 12, "minute": 21, "second": 14}
